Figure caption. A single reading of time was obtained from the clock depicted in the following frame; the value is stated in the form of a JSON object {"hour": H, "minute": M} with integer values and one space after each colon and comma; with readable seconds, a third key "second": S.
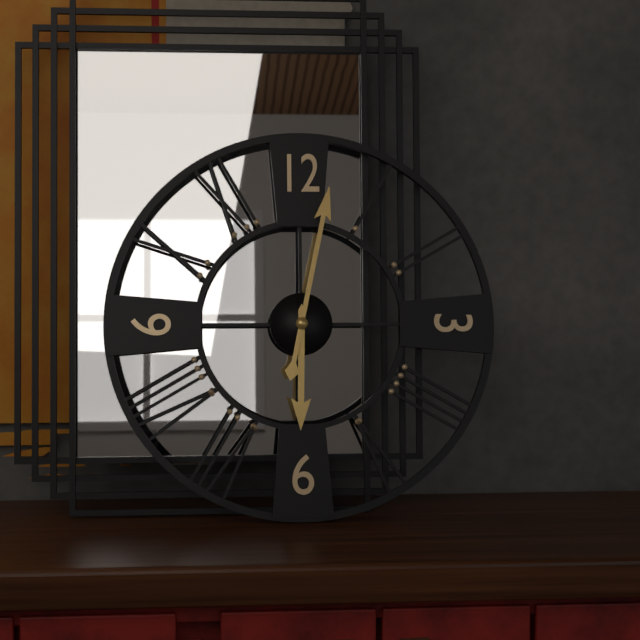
{"hour": 6, "minute": 2}
